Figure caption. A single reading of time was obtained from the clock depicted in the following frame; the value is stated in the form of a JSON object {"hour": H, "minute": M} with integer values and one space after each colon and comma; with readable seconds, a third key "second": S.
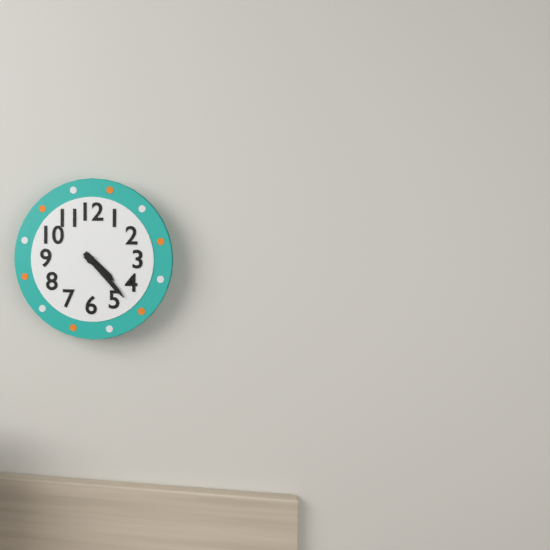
{"hour": 4, "minute": 23}
